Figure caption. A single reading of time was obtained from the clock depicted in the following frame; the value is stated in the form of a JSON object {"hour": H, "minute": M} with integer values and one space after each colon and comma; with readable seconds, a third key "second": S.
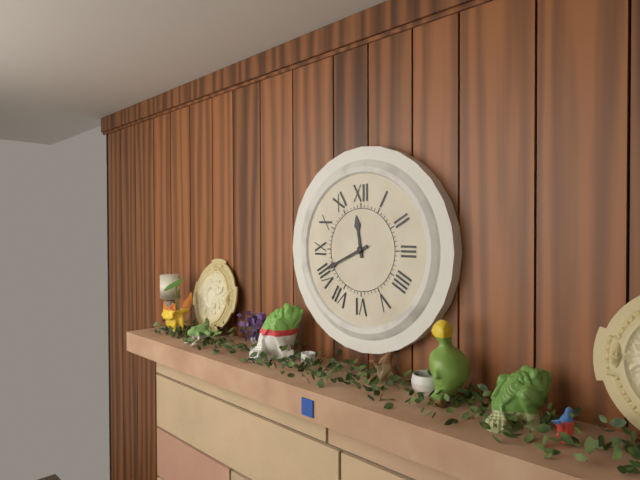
{"hour": 11, "minute": 41}
